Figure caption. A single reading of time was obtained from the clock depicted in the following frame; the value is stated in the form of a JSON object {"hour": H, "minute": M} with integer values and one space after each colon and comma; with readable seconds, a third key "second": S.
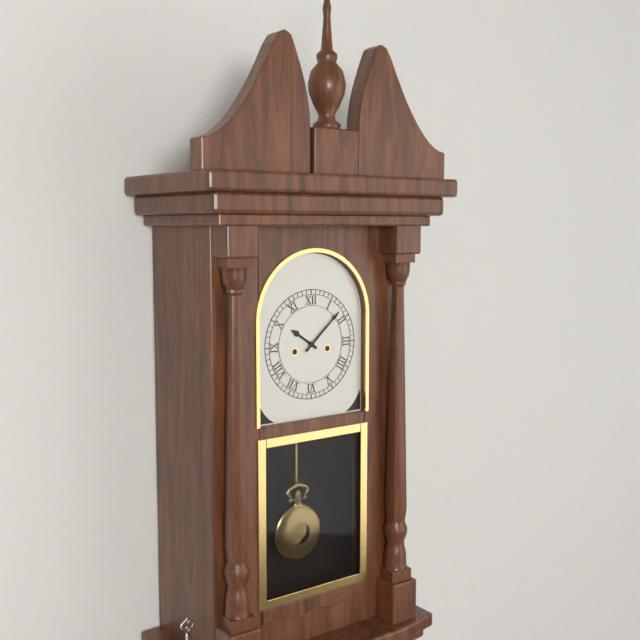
{"hour": 10, "minute": 8}
